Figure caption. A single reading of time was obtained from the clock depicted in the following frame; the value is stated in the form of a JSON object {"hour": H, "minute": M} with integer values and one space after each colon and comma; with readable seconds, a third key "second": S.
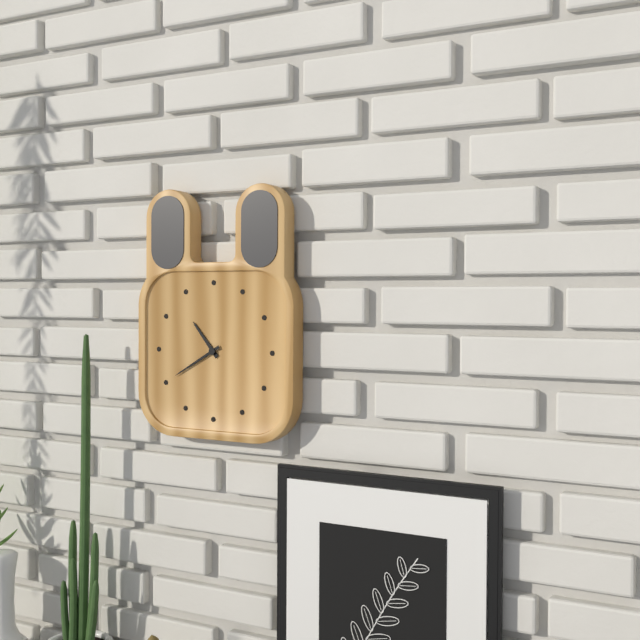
{"hour": 10, "minute": 40}
